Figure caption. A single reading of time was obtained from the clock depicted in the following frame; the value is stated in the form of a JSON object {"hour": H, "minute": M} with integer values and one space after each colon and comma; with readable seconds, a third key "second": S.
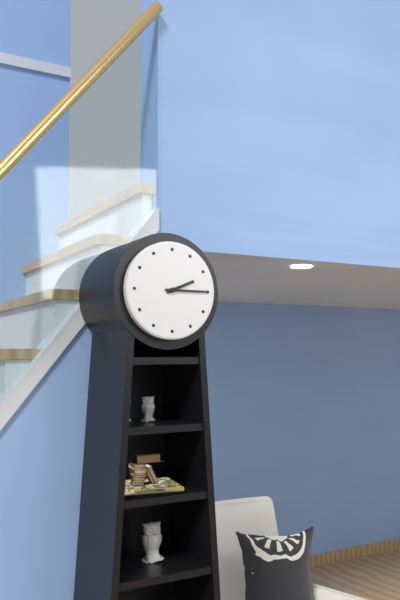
{"hour": 2, "minute": 15}
